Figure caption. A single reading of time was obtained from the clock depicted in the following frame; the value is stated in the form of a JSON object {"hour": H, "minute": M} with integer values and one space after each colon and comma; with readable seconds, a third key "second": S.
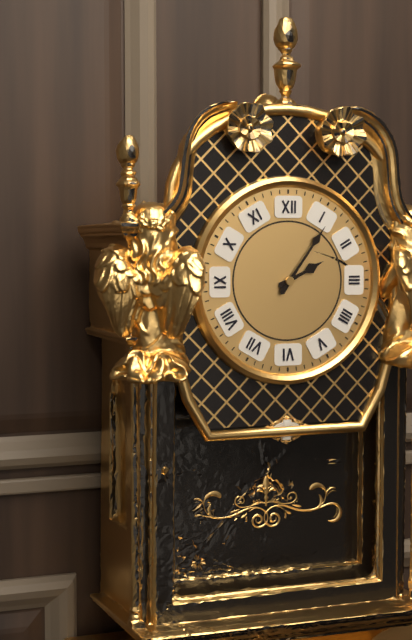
{"hour": 2, "minute": 6}
